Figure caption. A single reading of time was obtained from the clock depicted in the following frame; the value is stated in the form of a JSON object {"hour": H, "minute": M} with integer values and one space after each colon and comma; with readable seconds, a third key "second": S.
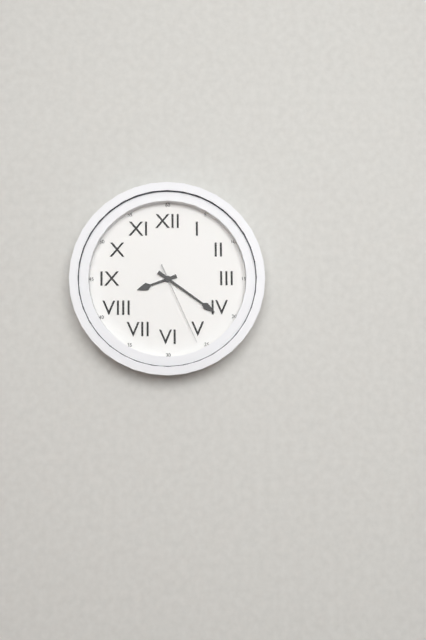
{"hour": 8, "minute": 21, "second": 26}
